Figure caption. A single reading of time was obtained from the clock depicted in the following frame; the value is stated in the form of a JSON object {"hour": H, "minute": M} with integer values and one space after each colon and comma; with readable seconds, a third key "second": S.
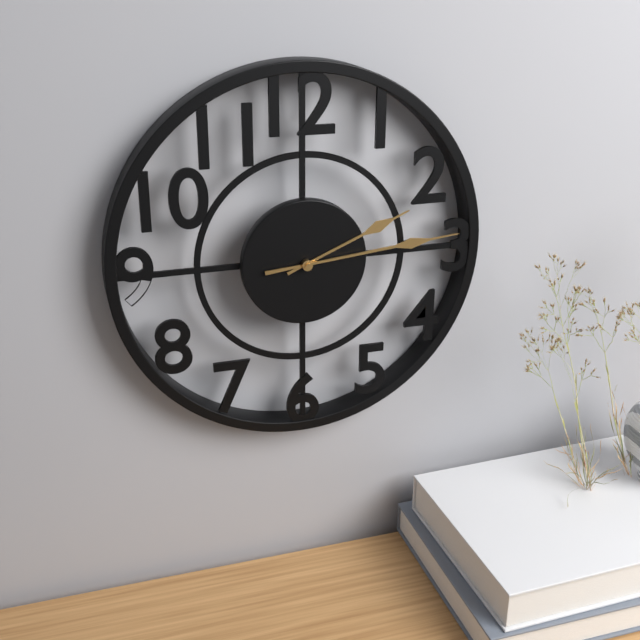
{"hour": 2, "minute": 14}
